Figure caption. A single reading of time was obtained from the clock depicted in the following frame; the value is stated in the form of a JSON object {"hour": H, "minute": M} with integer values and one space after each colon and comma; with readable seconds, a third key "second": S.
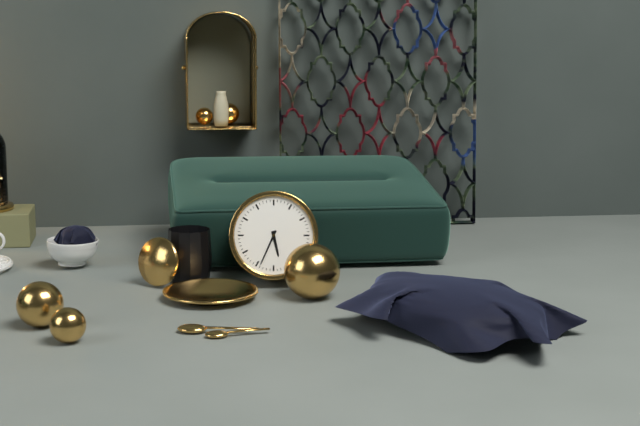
{"hour": 5, "minute": 34}
